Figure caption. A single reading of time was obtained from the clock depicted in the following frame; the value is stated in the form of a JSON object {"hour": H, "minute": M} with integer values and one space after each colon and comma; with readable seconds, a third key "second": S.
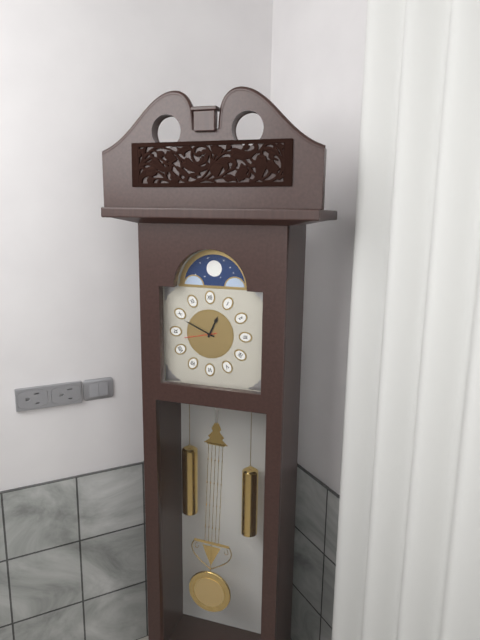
{"hour": 12, "minute": 49}
